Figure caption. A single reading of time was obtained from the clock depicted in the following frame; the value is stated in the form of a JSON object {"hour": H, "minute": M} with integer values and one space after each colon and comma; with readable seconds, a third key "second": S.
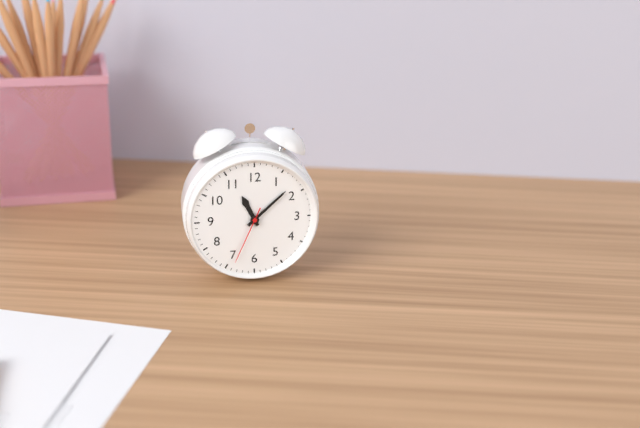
{"hour": 11, "minute": 8, "second": 34}
